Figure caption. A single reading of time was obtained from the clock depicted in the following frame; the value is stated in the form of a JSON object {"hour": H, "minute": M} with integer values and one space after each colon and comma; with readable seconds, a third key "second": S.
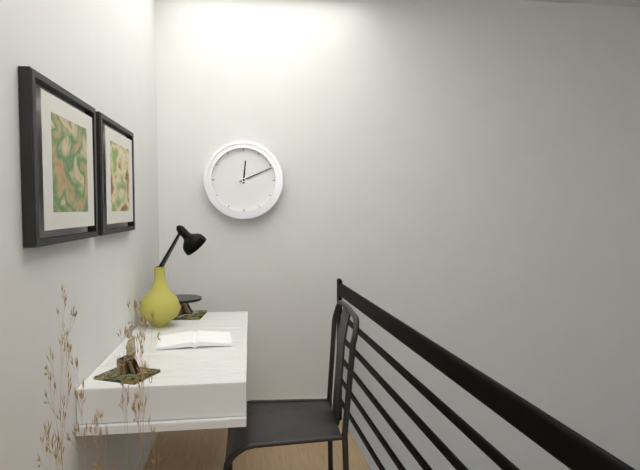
{"hour": 12, "minute": 11}
